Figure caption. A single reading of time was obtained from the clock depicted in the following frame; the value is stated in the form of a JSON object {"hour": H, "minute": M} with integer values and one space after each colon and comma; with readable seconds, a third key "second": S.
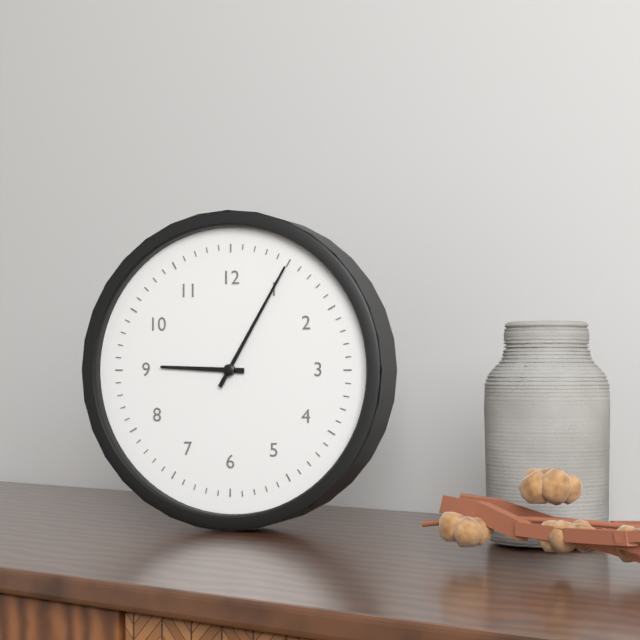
{"hour": 9, "minute": 5}
